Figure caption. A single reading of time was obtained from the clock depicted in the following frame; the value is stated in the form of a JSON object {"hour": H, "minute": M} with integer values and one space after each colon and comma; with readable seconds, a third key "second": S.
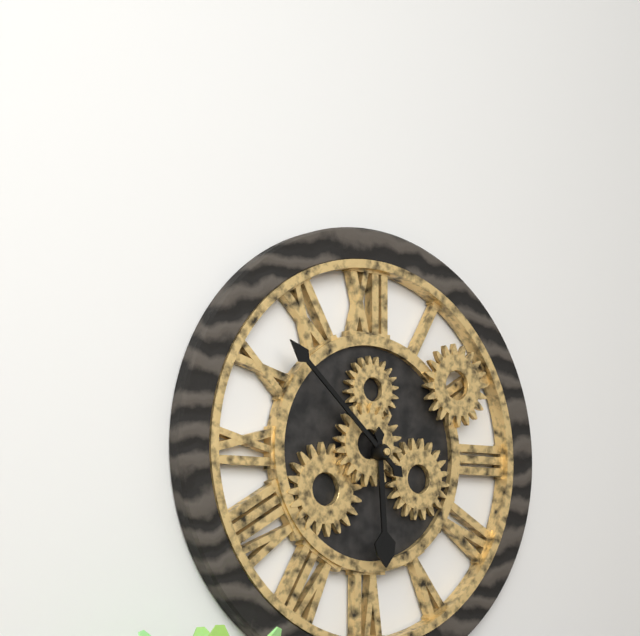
{"hour": 5, "minute": 52}
